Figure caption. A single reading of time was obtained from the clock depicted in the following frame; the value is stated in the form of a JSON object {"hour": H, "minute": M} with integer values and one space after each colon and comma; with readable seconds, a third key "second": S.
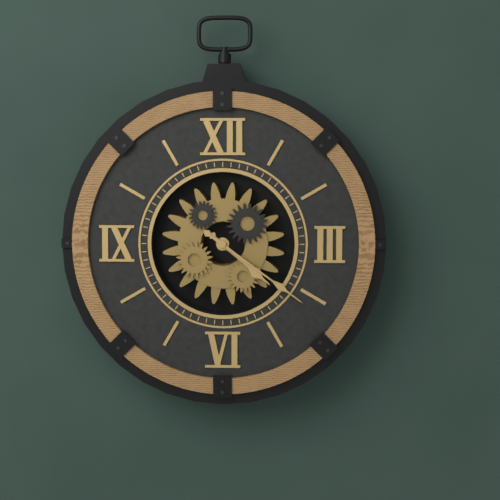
{"hour": 4, "minute": 21}
